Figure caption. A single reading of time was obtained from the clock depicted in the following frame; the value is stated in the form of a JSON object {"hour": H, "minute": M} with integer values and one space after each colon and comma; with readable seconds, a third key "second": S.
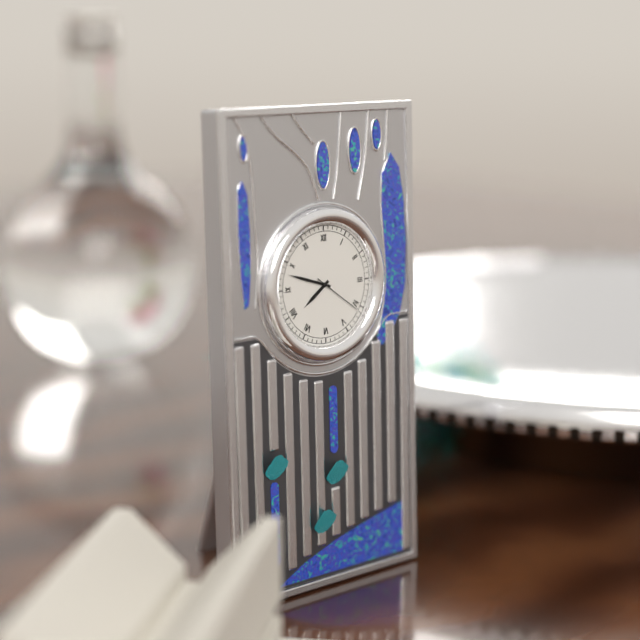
{"hour": 7, "minute": 48, "second": 21}
